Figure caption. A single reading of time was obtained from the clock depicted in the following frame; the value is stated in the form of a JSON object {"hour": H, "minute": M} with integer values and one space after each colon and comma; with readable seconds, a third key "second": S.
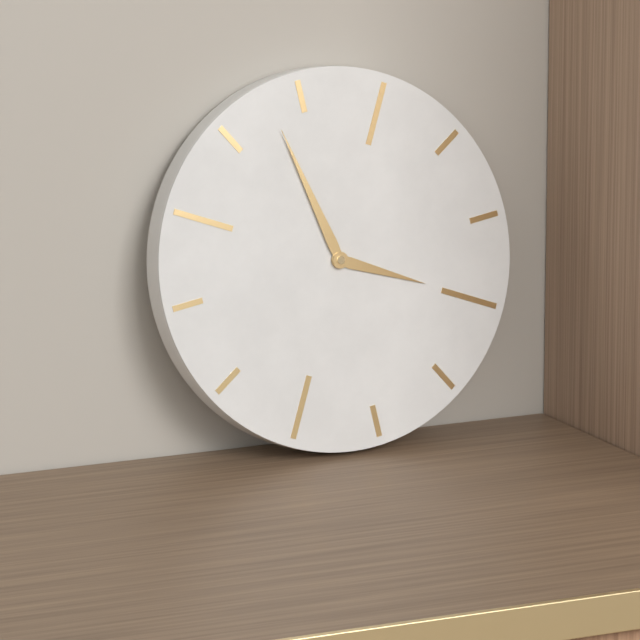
{"hour": 3, "minute": 58}
